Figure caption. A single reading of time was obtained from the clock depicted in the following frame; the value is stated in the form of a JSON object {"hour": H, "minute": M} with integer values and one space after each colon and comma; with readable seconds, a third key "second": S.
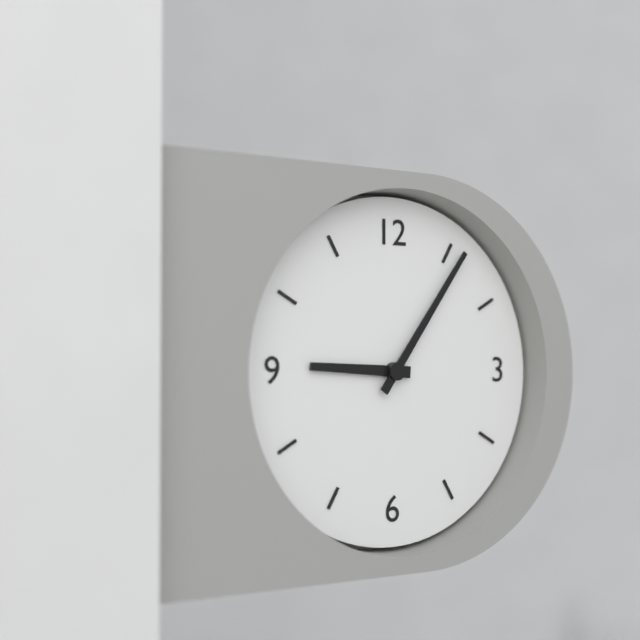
{"hour": 9, "minute": 6}
